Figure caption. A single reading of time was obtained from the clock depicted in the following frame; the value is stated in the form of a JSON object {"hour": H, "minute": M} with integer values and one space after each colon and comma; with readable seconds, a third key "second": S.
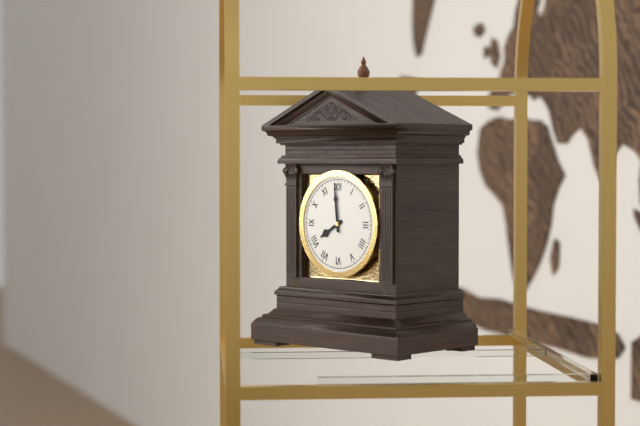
{"hour": 7, "minute": 59}
